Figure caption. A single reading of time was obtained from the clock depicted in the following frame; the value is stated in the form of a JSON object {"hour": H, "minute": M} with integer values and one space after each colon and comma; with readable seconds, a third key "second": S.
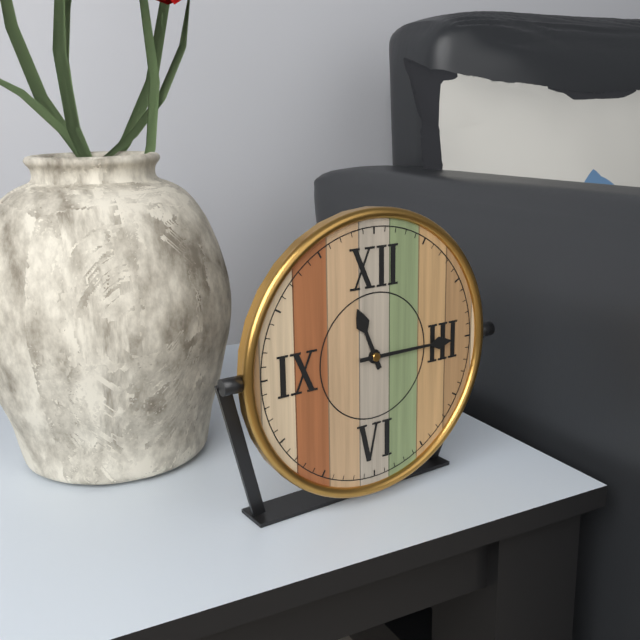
{"hour": 11, "minute": 15}
